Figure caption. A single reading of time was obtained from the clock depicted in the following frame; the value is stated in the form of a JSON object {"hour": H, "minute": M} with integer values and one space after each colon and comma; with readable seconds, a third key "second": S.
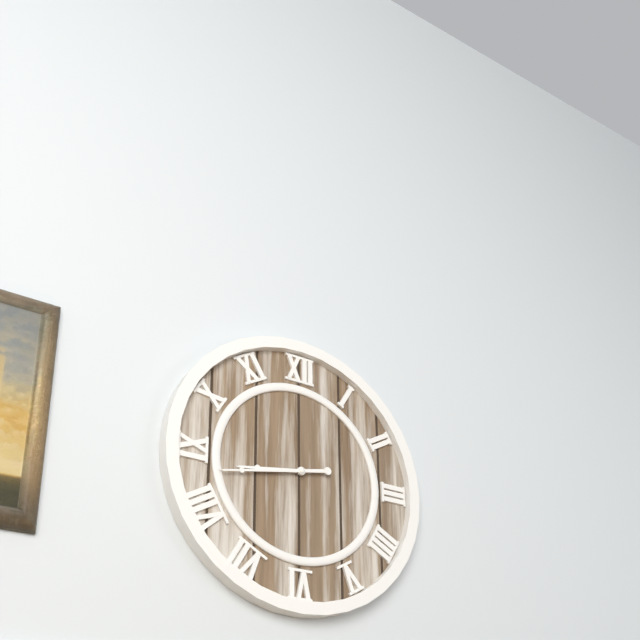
{"hour": 8, "minute": 43}
